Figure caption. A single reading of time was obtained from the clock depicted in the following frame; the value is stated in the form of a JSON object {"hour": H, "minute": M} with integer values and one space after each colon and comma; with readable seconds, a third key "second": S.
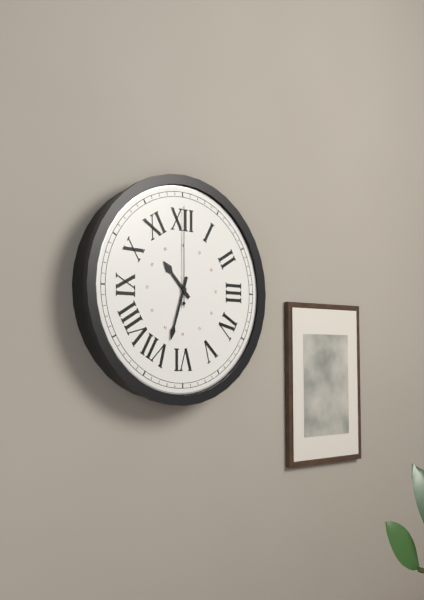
{"hour": 10, "minute": 33, "second": 0}
